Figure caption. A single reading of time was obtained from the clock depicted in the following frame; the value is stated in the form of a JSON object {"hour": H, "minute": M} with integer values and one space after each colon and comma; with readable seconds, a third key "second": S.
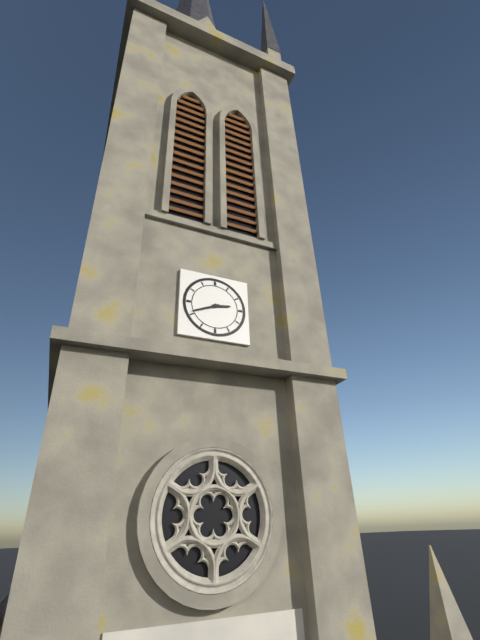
{"hour": 2, "minute": 41}
